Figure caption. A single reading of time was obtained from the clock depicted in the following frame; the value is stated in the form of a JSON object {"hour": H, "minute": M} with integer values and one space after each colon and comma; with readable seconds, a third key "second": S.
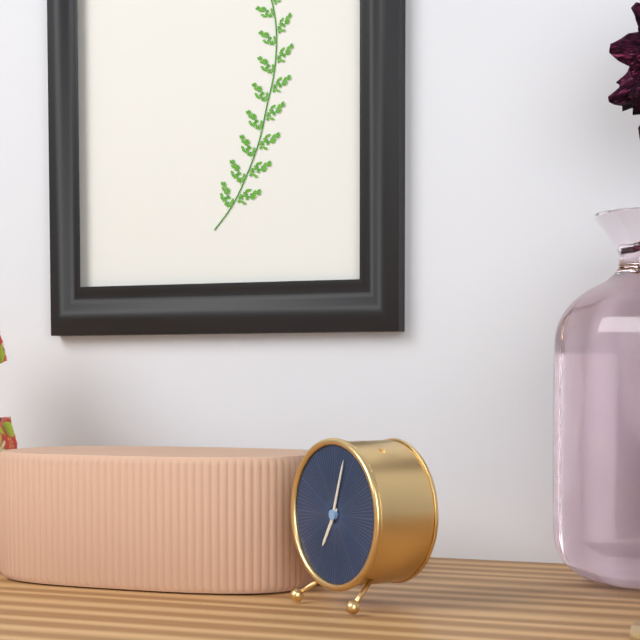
{"hour": 7, "minute": 3}
